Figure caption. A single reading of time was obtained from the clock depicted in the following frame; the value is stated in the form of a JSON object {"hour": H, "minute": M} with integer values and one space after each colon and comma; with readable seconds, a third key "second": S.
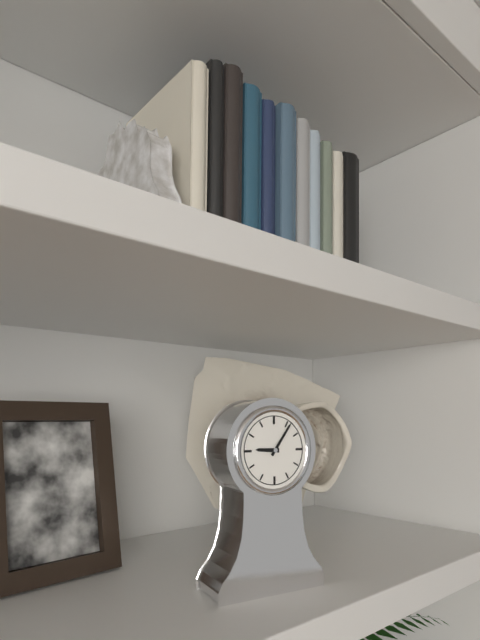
{"hour": 9, "minute": 6}
